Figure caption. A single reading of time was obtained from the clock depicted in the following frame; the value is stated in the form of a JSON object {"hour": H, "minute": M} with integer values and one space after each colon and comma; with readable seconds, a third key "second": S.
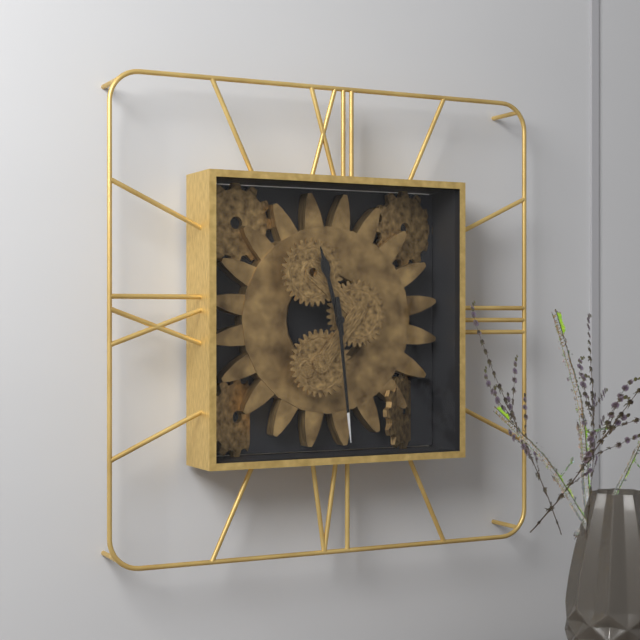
{"hour": 11, "minute": 29}
